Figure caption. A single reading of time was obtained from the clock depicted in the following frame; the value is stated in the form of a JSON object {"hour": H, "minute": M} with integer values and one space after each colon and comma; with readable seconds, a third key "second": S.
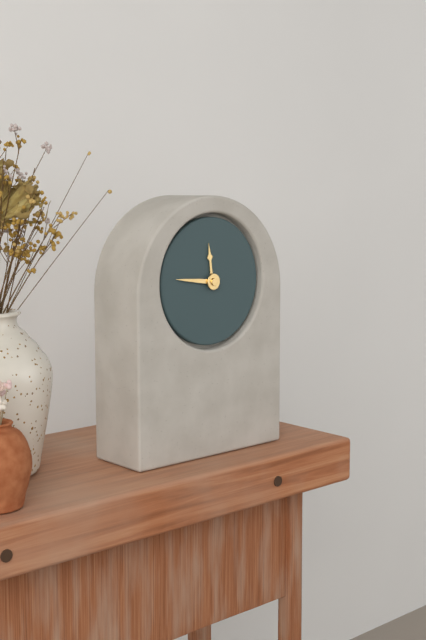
{"hour": 11, "minute": 46}
